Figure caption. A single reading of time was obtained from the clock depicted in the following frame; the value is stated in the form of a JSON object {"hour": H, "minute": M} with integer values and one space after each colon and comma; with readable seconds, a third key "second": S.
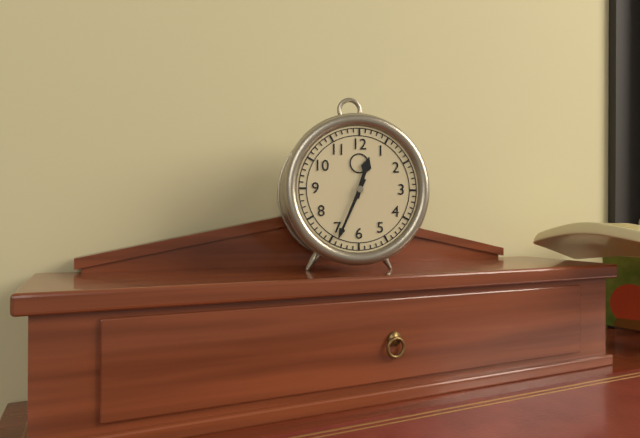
{"hour": 12, "minute": 34}
